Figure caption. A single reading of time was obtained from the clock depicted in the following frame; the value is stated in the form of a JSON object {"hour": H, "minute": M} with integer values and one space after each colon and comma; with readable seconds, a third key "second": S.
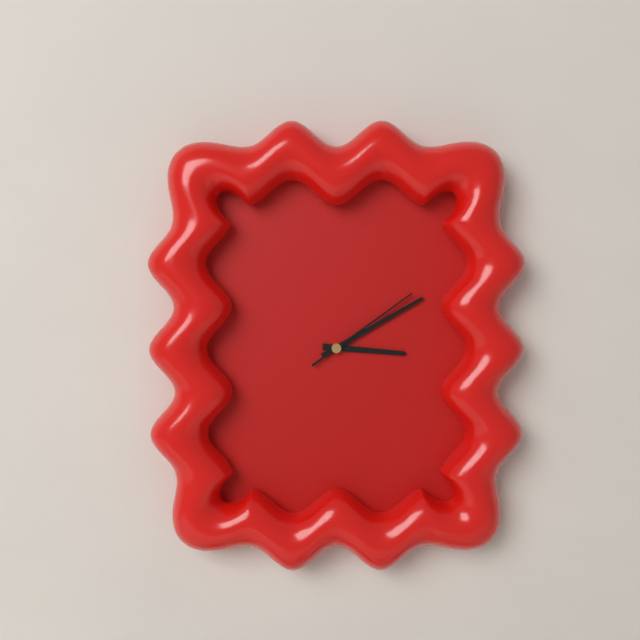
{"hour": 3, "minute": 10, "second": 9}
